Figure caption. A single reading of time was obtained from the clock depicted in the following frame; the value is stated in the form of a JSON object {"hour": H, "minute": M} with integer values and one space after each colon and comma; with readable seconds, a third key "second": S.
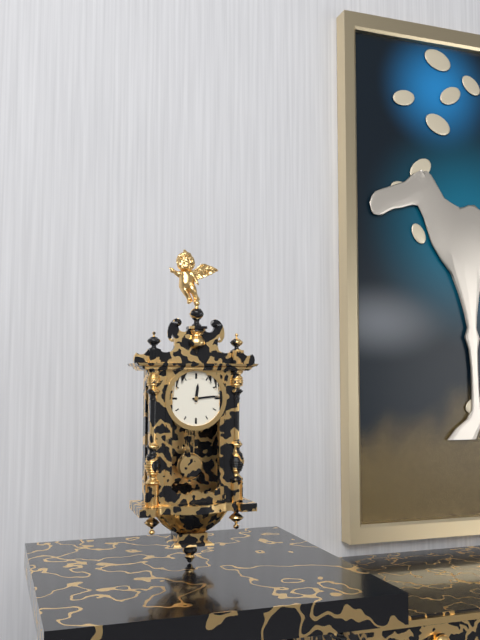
{"hour": 12, "minute": 14}
